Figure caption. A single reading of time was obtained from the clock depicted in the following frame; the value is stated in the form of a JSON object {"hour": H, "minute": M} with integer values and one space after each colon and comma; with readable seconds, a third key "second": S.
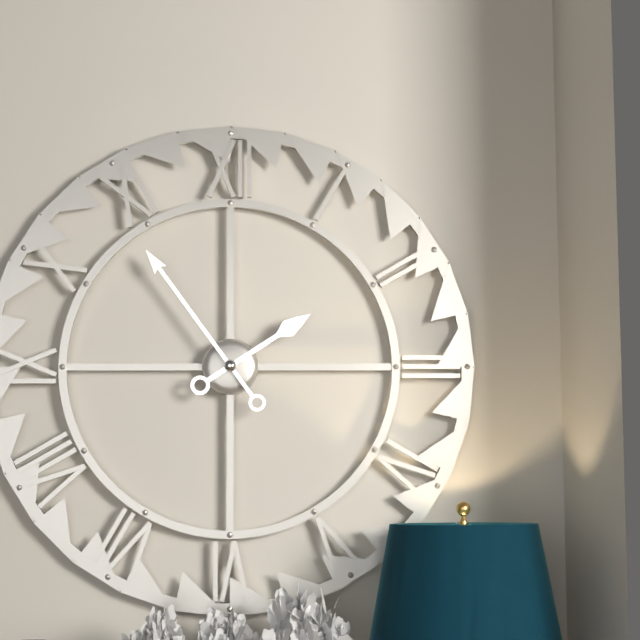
{"hour": 1, "minute": 54}
